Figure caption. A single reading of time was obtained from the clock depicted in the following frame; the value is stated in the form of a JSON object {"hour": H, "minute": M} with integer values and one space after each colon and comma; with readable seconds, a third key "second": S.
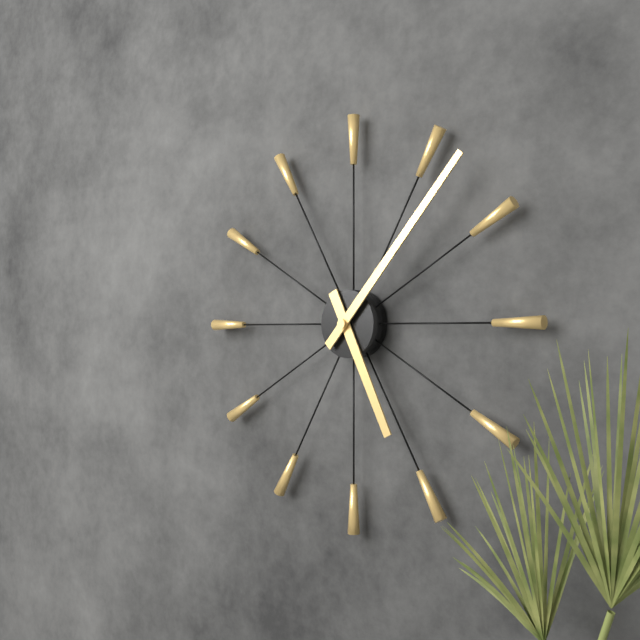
{"hour": 5, "minute": 7}
